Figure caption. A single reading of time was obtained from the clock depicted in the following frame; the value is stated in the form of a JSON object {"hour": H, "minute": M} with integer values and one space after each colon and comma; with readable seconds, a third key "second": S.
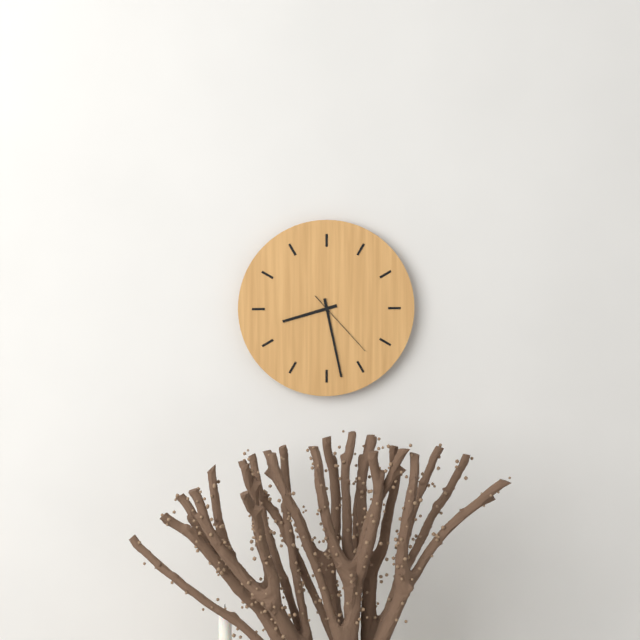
{"hour": 8, "minute": 28, "second": 23}
